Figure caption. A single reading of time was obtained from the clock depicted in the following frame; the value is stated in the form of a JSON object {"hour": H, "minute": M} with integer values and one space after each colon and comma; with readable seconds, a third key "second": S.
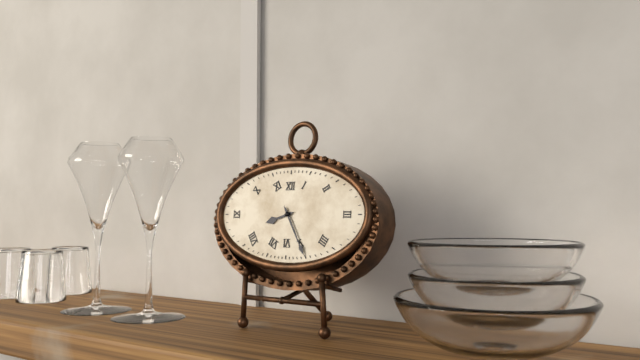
{"hour": 8, "minute": 25}
